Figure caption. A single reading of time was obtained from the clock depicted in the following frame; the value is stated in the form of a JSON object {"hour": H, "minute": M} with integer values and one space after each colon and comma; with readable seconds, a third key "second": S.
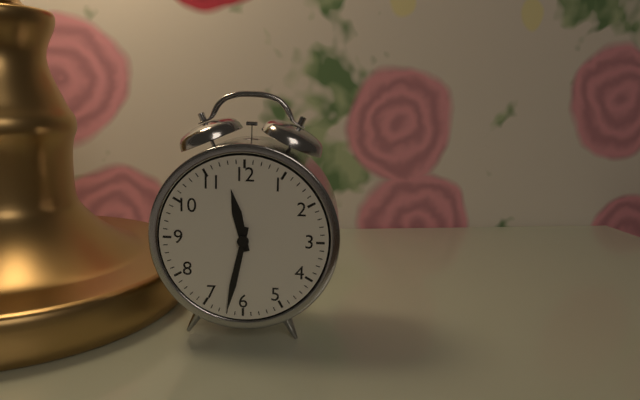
{"hour": 11, "minute": 32}
